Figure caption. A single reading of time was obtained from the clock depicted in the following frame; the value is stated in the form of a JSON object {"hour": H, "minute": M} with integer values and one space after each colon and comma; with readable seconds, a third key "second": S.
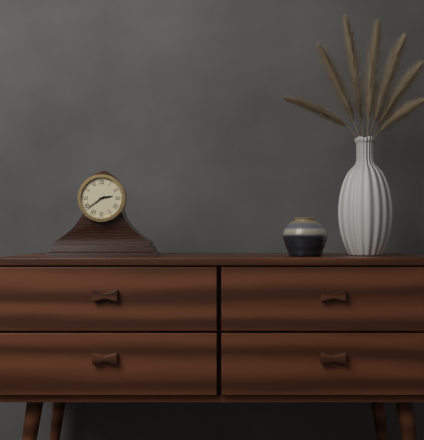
{"hour": 2, "minute": 39}
